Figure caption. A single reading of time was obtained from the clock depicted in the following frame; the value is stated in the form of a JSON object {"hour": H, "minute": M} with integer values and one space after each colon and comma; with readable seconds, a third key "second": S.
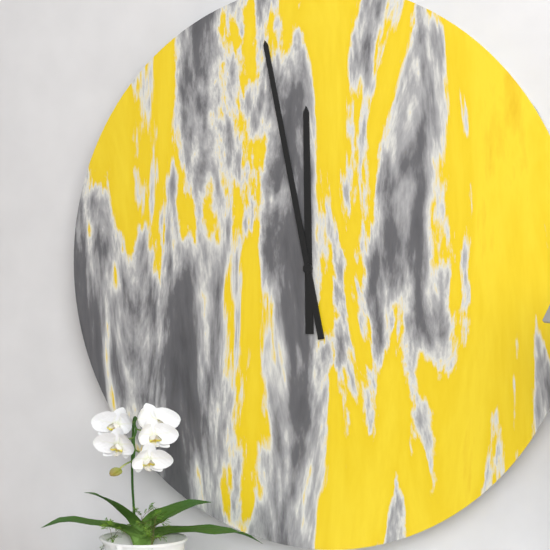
{"hour": 11, "minute": 58}
